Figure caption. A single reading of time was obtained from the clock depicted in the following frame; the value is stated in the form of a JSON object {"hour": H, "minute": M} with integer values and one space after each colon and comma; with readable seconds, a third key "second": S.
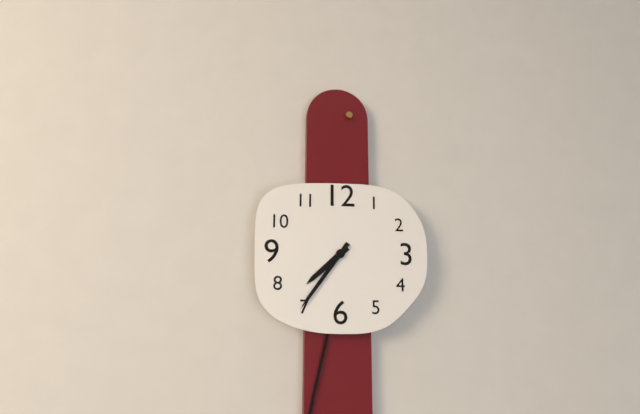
{"hour": 7, "minute": 36}
